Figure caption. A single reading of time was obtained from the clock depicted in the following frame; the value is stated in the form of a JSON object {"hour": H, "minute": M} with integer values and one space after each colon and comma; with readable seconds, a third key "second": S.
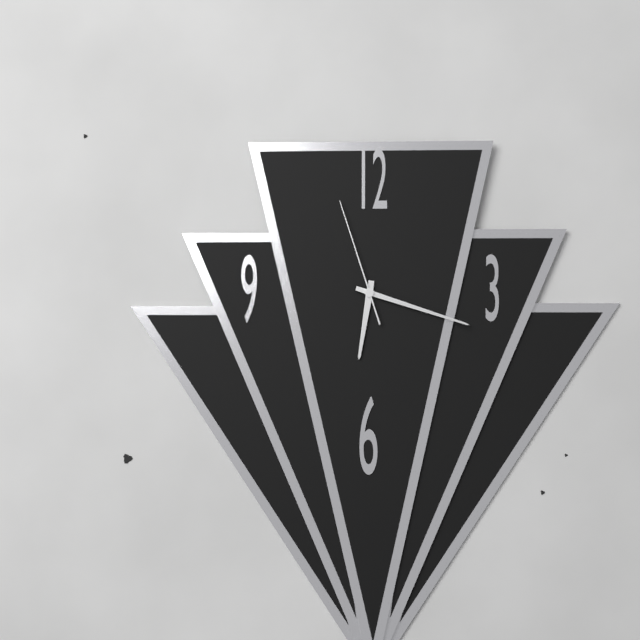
{"hour": 6, "minute": 18, "second": 57}
